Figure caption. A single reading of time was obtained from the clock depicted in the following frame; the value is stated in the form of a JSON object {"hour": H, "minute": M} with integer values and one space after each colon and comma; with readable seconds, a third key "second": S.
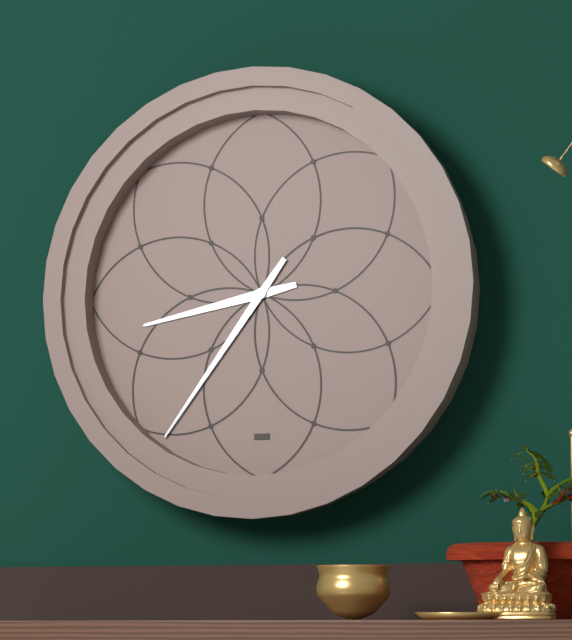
{"hour": 8, "minute": 36}
